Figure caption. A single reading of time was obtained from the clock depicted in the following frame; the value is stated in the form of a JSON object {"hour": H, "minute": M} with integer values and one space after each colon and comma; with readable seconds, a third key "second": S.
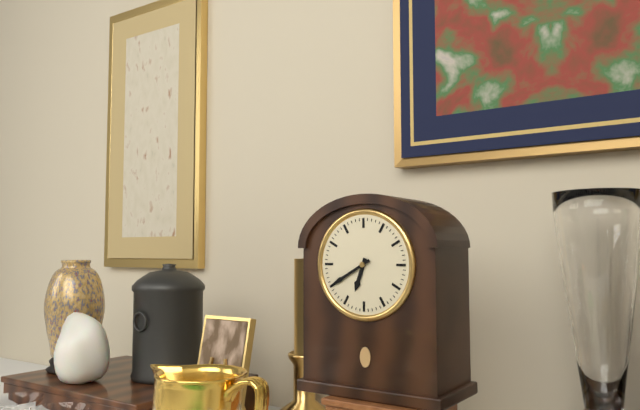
{"hour": 6, "minute": 40}
